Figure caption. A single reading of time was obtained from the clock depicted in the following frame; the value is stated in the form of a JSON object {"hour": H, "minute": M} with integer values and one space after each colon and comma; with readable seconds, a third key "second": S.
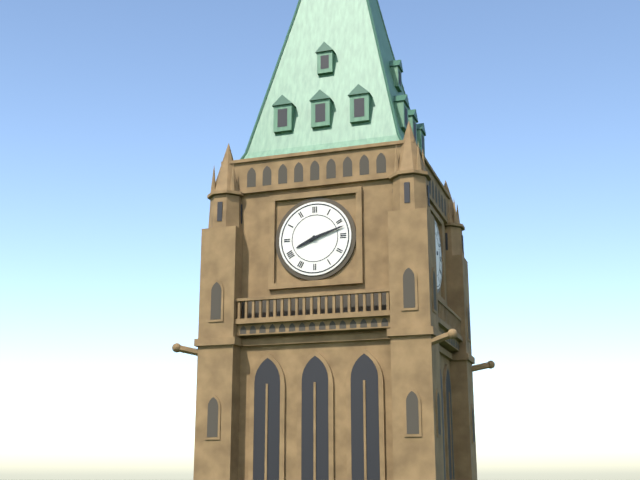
{"hour": 8, "minute": 12}
